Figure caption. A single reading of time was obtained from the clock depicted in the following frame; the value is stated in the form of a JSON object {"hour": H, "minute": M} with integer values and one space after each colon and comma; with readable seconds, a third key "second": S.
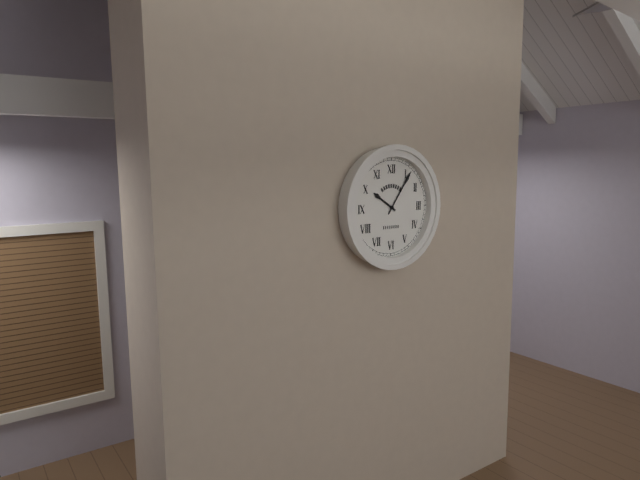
{"hour": 10, "minute": 6}
